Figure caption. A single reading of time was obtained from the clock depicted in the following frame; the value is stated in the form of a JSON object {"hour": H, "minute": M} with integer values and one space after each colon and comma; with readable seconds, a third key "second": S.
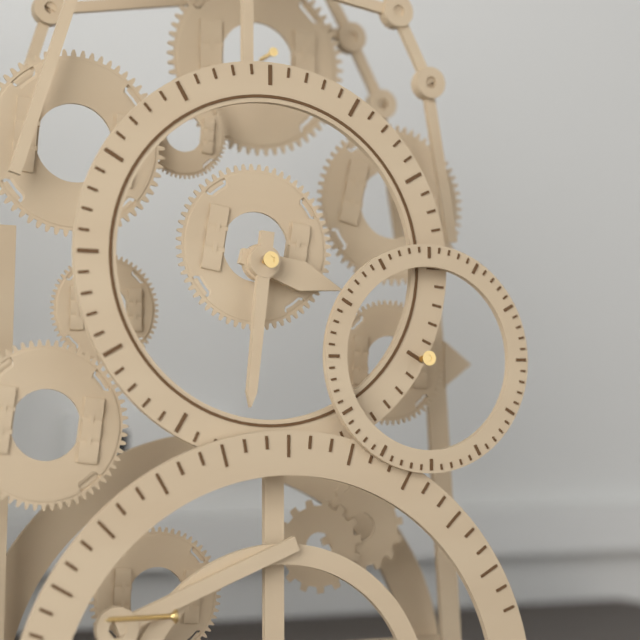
{"hour": 3, "minute": 31}
